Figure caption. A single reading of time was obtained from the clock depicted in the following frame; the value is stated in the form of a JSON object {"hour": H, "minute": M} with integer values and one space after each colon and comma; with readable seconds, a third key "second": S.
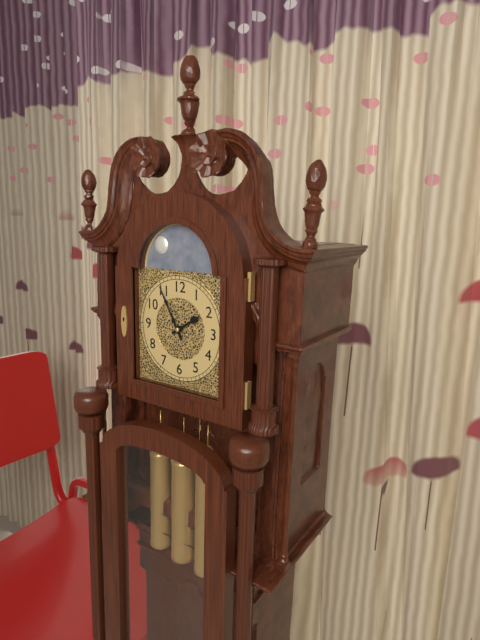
{"hour": 1, "minute": 55}
